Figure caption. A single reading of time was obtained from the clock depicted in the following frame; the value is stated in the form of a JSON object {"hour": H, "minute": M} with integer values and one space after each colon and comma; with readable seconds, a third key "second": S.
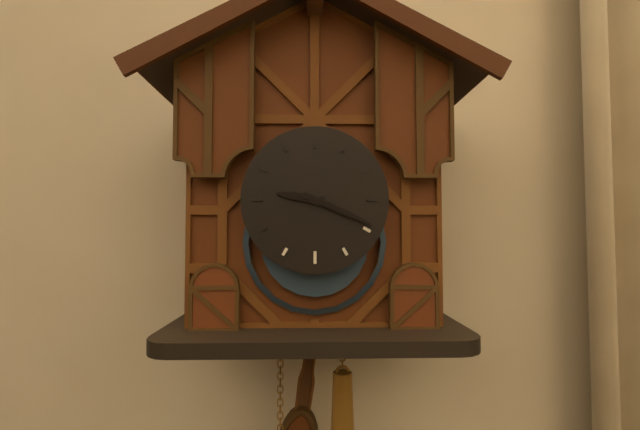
{"hour": 9, "minute": 19}
